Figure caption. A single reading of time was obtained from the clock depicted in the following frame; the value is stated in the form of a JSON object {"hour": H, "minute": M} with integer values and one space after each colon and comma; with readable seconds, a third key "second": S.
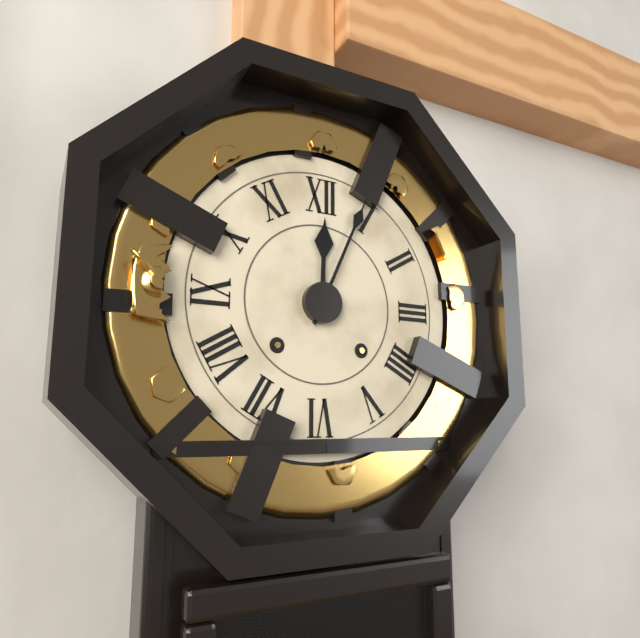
{"hour": 12, "minute": 4}
